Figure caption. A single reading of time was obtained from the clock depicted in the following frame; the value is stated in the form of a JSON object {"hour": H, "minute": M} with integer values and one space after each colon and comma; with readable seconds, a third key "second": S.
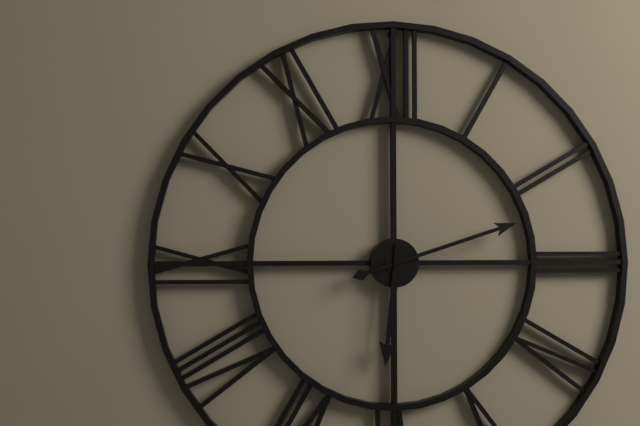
{"hour": 6, "minute": 12}
